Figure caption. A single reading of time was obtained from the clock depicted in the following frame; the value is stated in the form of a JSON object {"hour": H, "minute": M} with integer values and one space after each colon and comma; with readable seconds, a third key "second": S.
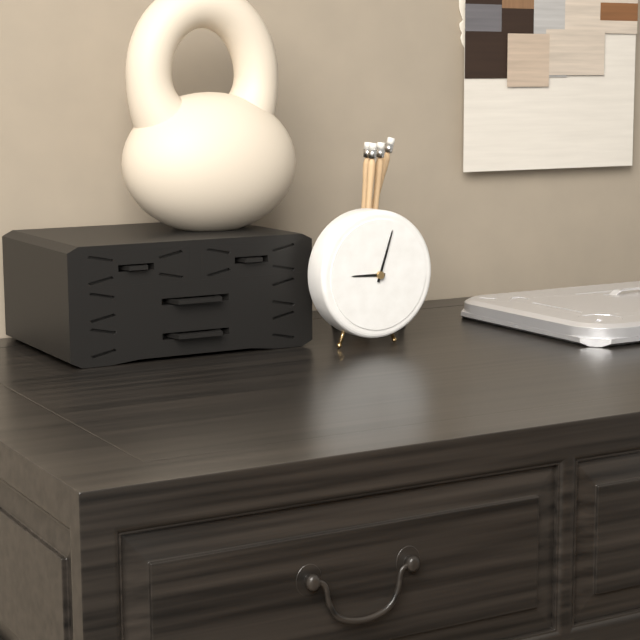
{"hour": 9, "minute": 3}
